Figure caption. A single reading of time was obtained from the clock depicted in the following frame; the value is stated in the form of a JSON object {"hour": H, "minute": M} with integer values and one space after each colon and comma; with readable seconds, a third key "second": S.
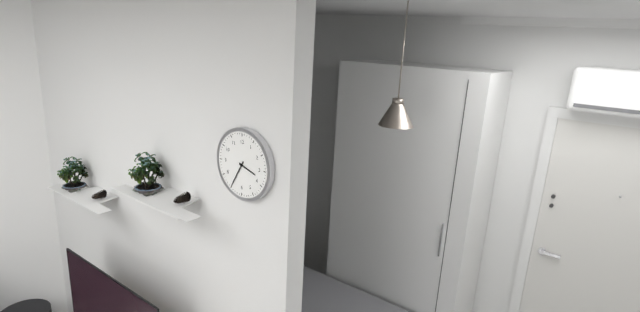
{"hour": 3, "minute": 35}
